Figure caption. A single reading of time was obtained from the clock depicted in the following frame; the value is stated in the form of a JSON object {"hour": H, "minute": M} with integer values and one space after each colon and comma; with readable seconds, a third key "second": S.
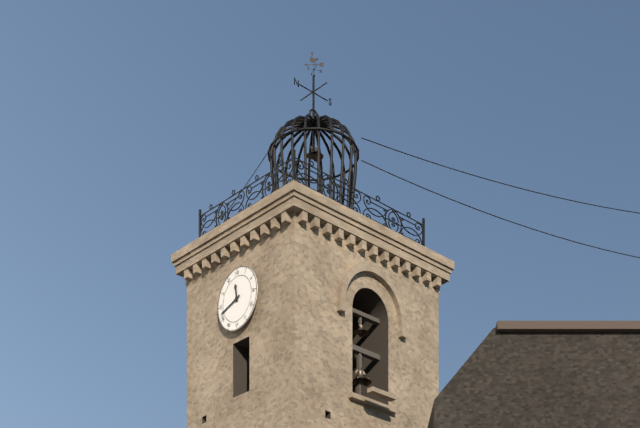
{"hour": 11, "minute": 42}
